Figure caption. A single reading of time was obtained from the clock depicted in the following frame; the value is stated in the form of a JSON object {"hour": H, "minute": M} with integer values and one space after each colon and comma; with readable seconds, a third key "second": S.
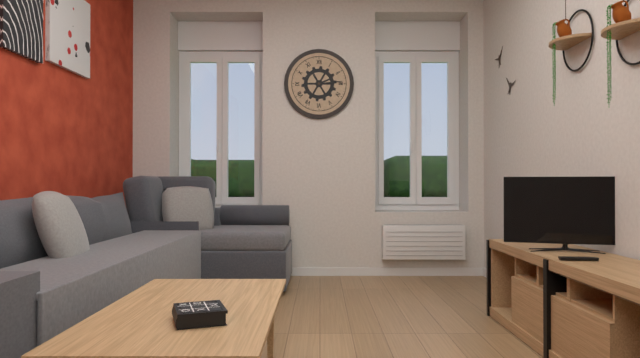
{"hour": 2, "minute": 14}
